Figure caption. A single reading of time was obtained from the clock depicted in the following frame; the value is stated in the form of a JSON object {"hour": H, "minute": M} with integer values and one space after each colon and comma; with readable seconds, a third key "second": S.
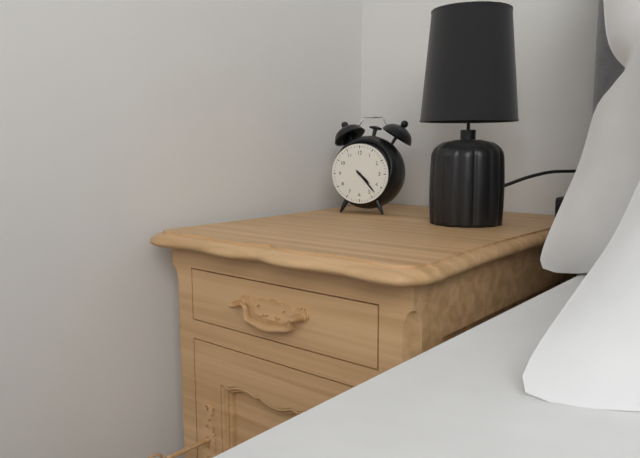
{"hour": 4, "minute": 23}
